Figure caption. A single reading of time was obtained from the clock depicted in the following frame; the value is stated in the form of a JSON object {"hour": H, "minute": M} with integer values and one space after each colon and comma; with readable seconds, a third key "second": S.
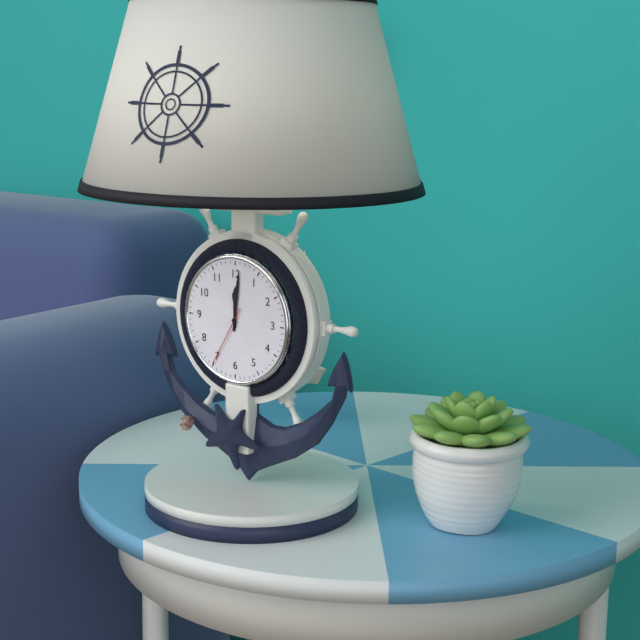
{"hour": 12, "minute": 1, "second": 35}
